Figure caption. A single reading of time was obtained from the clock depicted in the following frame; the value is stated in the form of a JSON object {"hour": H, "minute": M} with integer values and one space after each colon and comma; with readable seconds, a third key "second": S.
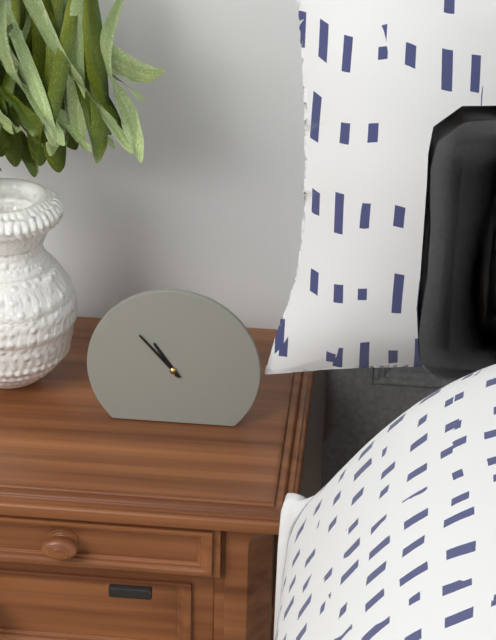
{"hour": 10, "minute": 53}
